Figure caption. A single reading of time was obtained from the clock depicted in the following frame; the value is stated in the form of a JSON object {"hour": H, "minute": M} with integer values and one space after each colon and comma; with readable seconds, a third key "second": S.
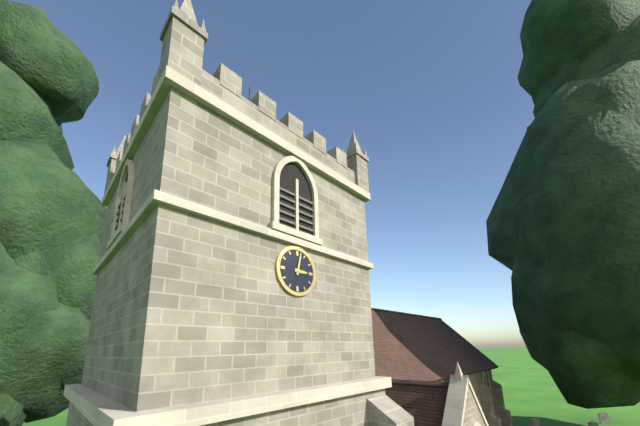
{"hour": 3, "minute": 2}
